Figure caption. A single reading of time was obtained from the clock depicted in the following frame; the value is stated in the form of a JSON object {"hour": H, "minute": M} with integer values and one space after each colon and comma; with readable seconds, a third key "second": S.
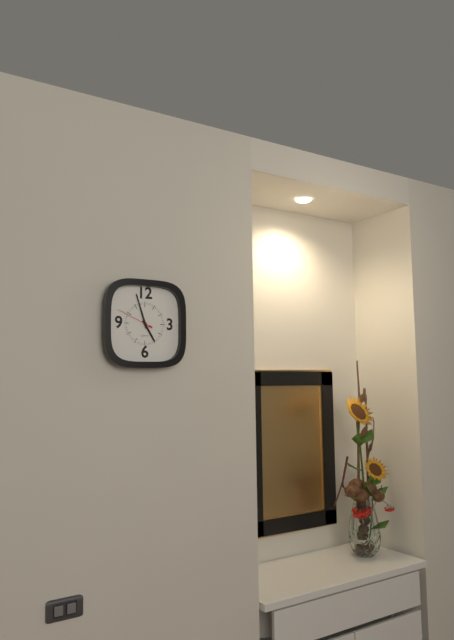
{"hour": 4, "minute": 57}
